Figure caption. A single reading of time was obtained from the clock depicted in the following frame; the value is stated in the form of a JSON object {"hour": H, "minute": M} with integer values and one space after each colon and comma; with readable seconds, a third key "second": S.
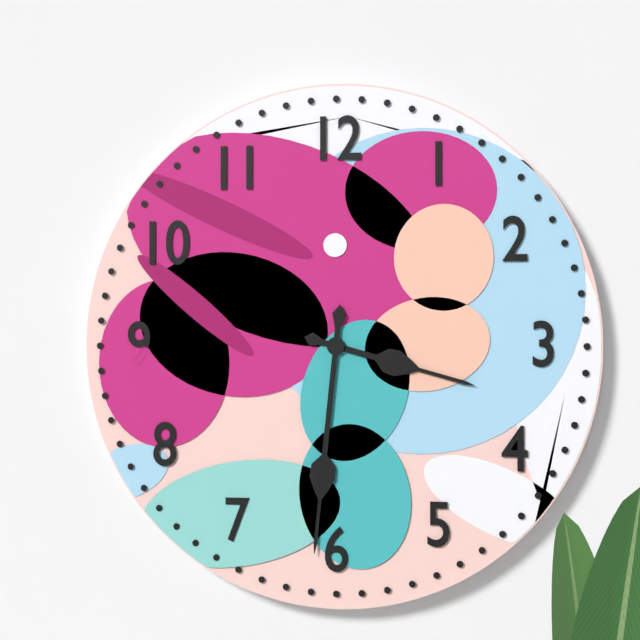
{"hour": 3, "minute": 31}
